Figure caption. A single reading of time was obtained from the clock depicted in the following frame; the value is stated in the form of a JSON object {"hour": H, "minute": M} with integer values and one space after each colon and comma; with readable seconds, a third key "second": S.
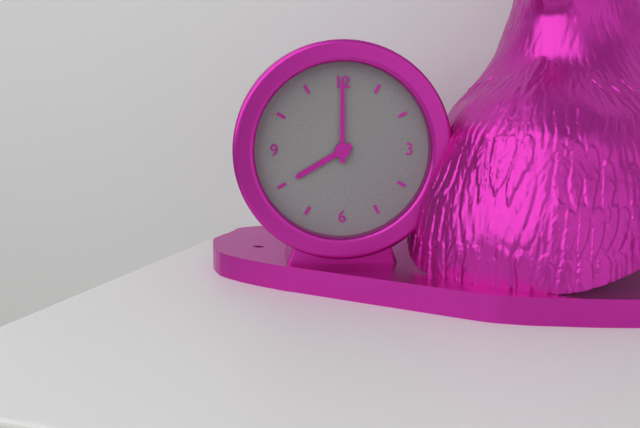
{"hour": 8, "minute": 0}
